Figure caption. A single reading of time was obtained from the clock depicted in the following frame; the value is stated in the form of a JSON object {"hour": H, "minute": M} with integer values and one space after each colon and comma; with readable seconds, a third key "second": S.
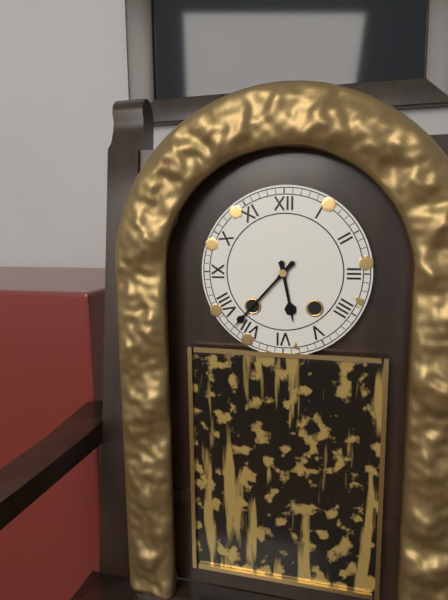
{"hour": 5, "minute": 37}
